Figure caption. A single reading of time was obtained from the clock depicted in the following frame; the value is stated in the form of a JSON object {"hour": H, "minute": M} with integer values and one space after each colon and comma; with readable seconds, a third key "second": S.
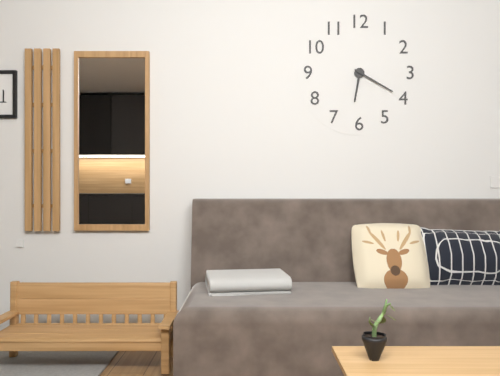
{"hour": 6, "minute": 20}
